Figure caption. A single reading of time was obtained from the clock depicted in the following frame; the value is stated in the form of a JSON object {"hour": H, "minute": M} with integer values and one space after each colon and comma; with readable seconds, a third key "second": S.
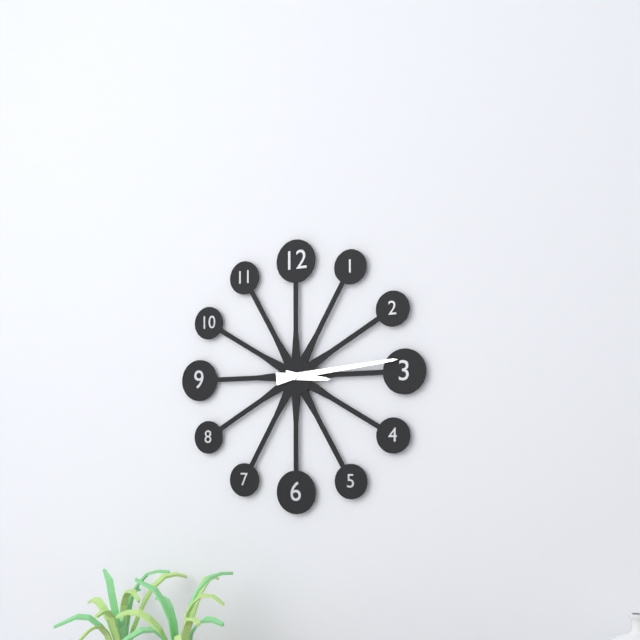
{"hour": 3, "minute": 14}
